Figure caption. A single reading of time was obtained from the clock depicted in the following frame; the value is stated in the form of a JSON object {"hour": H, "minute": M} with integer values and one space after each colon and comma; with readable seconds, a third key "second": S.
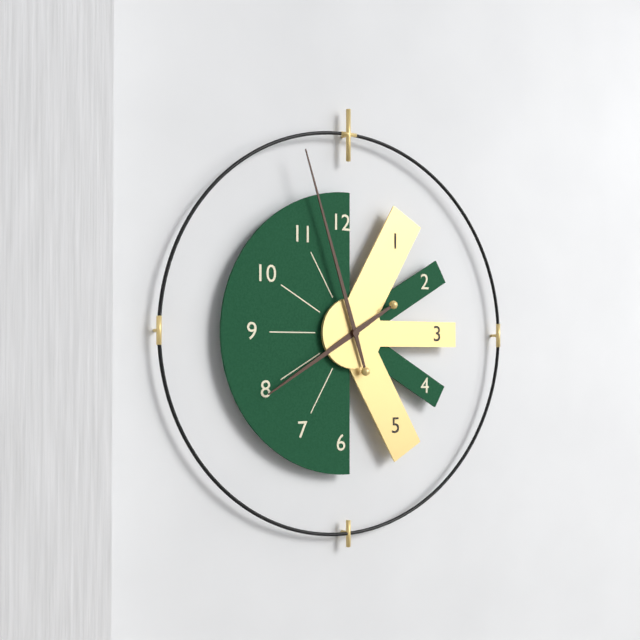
{"hour": 7, "minute": 57}
